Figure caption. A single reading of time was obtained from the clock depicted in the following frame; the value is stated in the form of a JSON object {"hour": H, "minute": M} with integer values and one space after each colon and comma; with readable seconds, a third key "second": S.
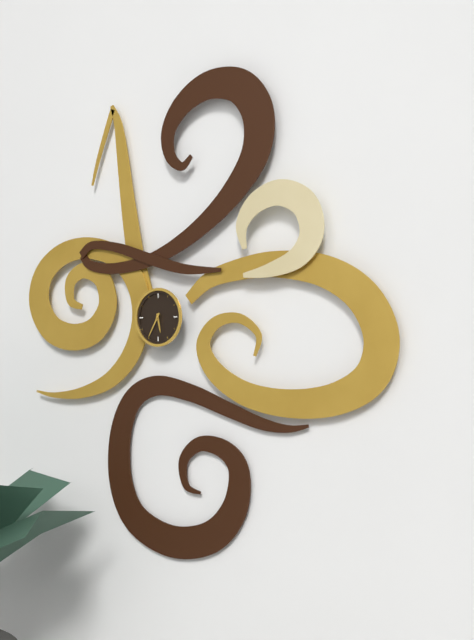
{"hour": 5, "minute": 35}
